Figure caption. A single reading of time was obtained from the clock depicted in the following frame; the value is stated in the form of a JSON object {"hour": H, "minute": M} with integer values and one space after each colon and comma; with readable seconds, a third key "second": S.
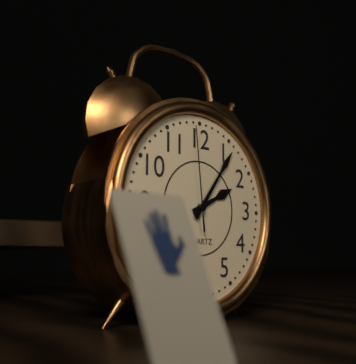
{"hour": 2, "minute": 6, "second": 59}
